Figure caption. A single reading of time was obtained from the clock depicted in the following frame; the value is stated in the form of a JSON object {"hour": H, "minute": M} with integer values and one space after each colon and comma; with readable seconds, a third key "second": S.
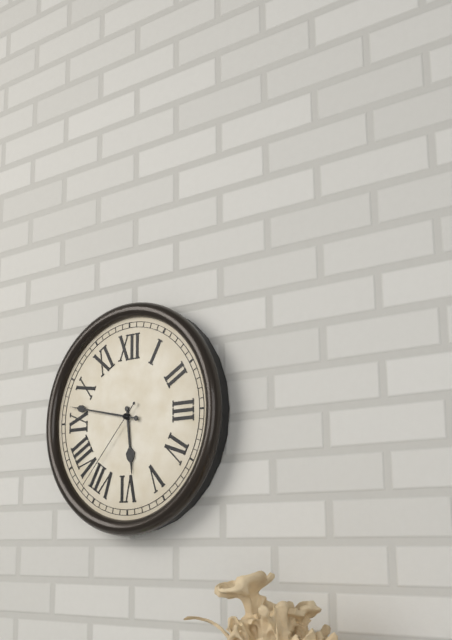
{"hour": 5, "minute": 47, "second": 37}
